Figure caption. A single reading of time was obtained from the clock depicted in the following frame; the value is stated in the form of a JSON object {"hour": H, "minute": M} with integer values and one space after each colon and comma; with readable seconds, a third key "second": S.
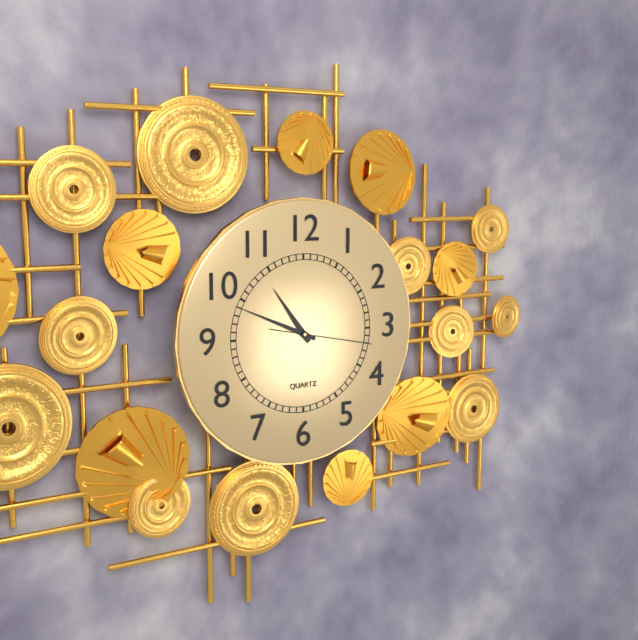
{"hour": 10, "minute": 49, "second": 17}
